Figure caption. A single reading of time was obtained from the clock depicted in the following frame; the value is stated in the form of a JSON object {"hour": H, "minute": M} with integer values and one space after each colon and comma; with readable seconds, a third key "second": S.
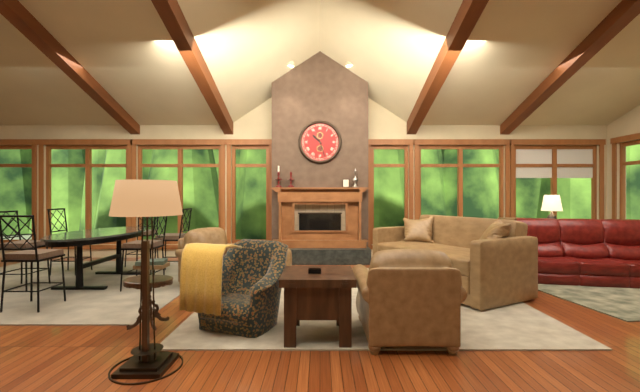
{"hour": 10, "minute": 27}
